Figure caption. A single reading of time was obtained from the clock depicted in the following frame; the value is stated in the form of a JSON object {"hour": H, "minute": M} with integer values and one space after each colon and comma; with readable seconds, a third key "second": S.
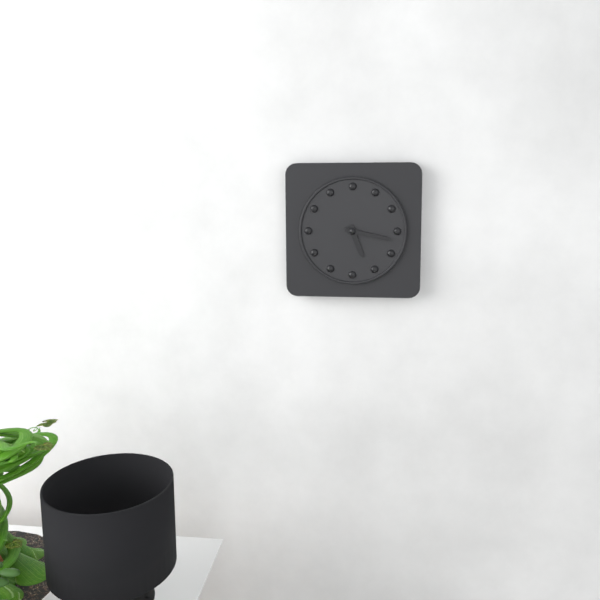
{"hour": 5, "minute": 17}
